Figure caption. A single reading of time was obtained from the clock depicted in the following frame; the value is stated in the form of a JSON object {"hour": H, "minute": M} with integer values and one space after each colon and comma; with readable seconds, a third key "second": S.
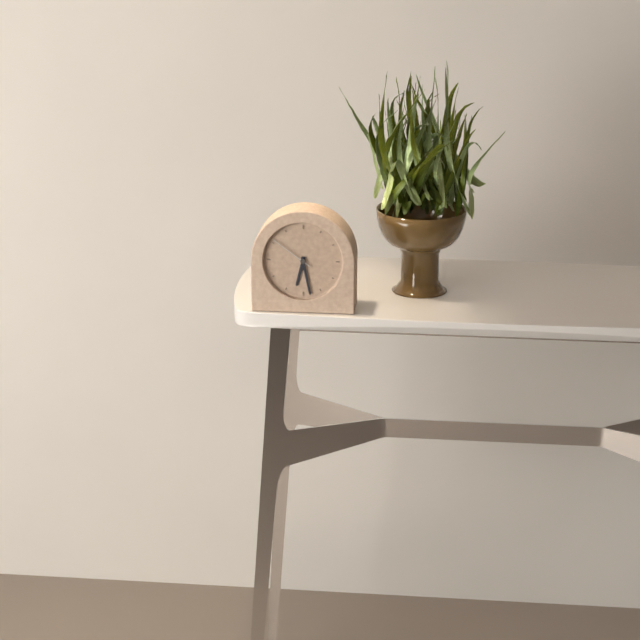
{"hour": 6, "minute": 28}
